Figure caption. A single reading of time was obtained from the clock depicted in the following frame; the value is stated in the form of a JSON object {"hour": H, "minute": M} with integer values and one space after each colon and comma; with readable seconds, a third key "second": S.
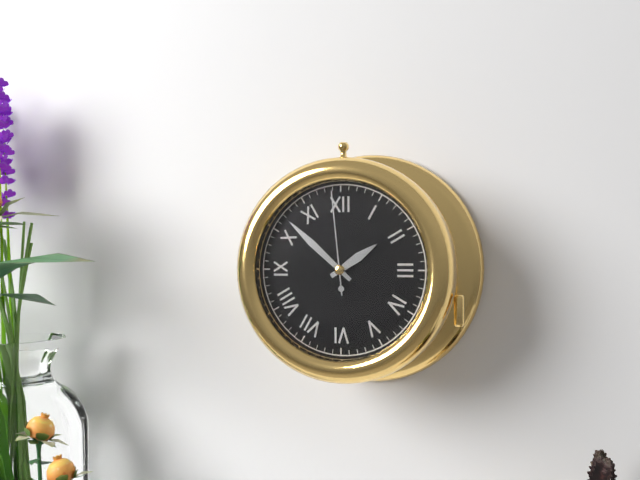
{"hour": 1, "minute": 52, "second": 59}
